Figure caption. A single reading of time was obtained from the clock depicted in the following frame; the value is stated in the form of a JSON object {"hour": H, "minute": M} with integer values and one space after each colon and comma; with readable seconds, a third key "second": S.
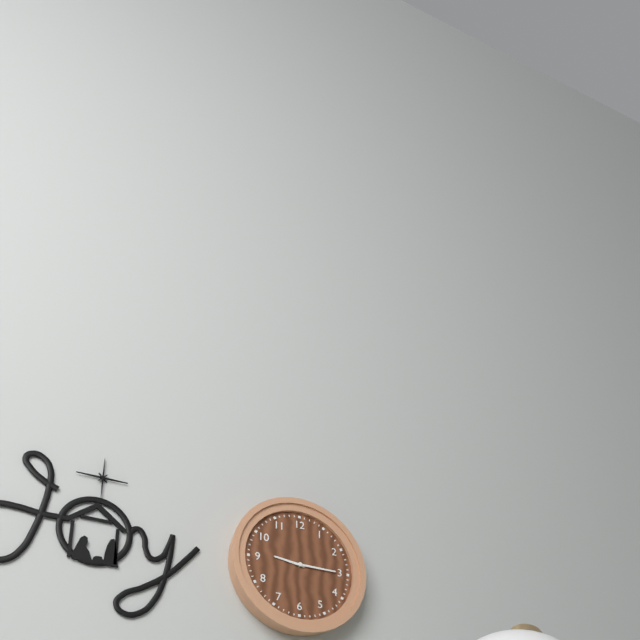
{"hour": 9, "minute": 15}
